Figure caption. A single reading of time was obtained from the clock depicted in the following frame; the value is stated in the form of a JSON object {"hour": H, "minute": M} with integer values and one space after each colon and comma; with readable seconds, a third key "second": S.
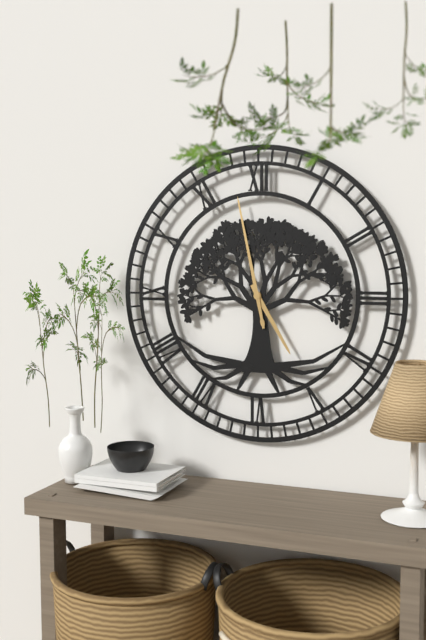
{"hour": 4, "minute": 58}
